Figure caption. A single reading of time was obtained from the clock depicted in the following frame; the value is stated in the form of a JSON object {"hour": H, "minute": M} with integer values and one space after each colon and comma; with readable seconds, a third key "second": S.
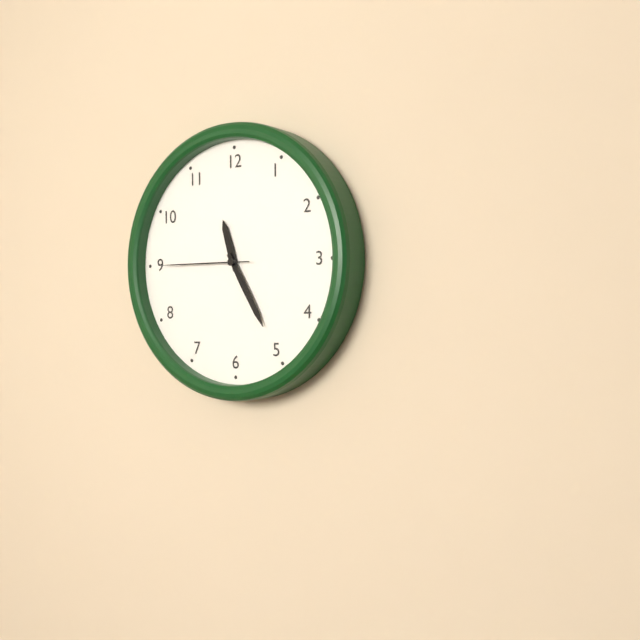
{"hour": 11, "minute": 25, "second": 45}
